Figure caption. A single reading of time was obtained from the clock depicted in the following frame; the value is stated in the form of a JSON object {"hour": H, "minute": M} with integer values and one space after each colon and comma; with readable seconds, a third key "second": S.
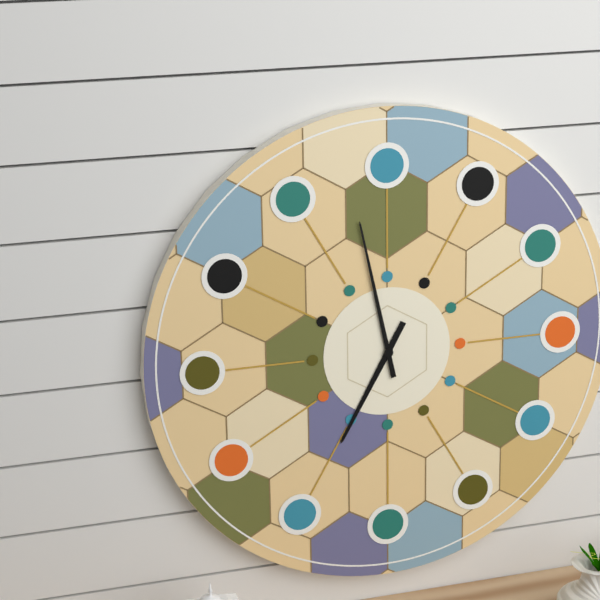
{"hour": 6, "minute": 58}
